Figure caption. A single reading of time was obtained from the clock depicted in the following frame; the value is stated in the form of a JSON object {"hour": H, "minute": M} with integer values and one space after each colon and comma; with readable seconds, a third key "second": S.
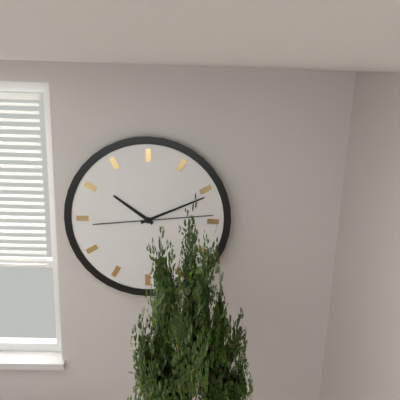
{"hour": 10, "minute": 11, "second": 14}
